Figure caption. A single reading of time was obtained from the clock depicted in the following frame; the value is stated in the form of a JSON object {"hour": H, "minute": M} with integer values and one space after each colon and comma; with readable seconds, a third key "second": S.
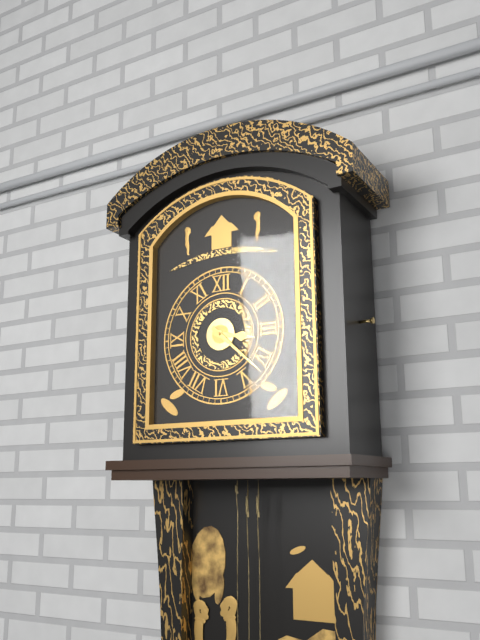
{"hour": 3, "minute": 22}
